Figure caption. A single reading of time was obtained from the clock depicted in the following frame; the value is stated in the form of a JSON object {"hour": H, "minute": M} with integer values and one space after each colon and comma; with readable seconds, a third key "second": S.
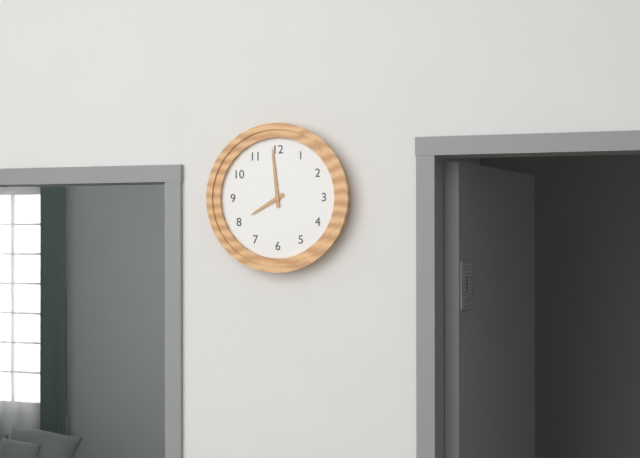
{"hour": 7, "minute": 59}
